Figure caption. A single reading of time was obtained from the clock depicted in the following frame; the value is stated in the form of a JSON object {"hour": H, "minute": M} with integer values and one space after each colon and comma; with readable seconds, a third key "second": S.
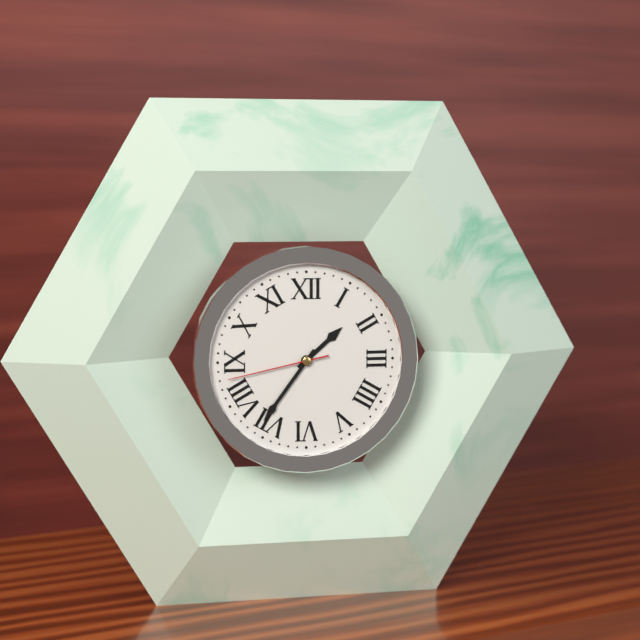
{"hour": 1, "minute": 36, "second": 43}
